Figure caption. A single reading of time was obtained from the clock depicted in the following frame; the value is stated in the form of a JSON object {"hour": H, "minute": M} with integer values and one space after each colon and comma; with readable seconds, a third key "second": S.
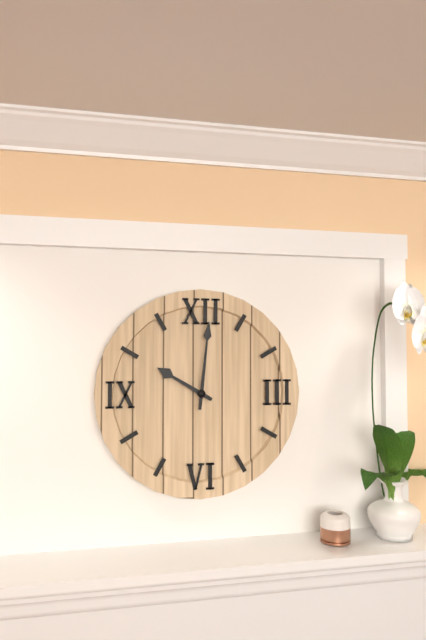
{"hour": 10, "minute": 1}
